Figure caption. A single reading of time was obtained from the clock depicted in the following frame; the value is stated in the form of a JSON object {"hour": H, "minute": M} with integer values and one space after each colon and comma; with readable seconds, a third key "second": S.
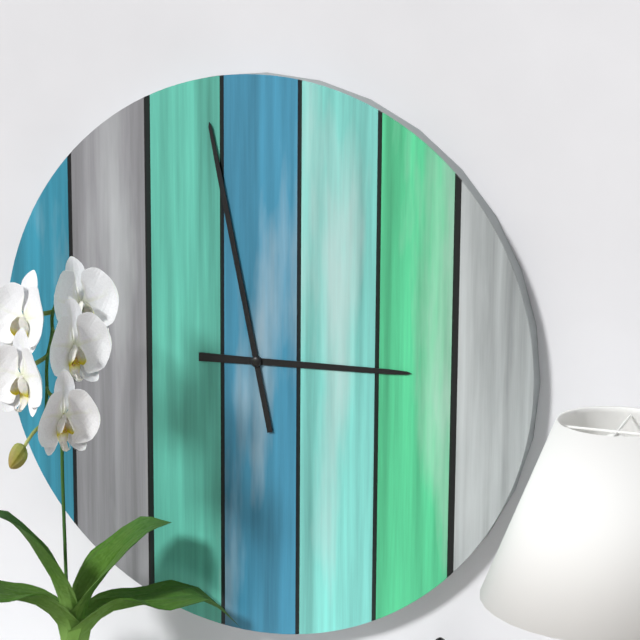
{"hour": 2, "minute": 58}
